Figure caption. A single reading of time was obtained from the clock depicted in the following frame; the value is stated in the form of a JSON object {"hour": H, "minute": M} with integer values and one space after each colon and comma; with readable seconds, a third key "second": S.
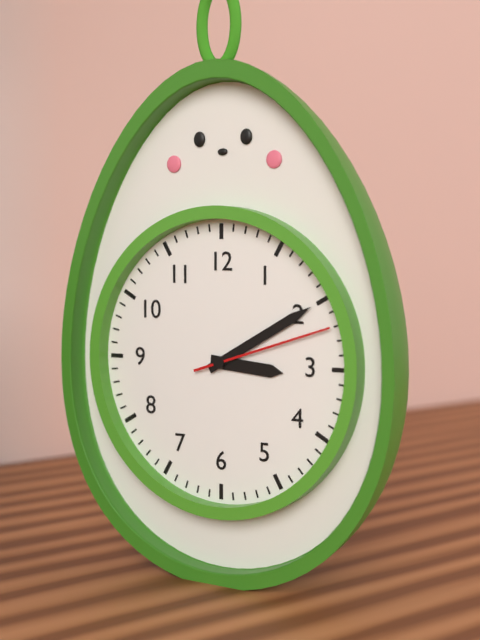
{"hour": 3, "minute": 10, "second": 12}
